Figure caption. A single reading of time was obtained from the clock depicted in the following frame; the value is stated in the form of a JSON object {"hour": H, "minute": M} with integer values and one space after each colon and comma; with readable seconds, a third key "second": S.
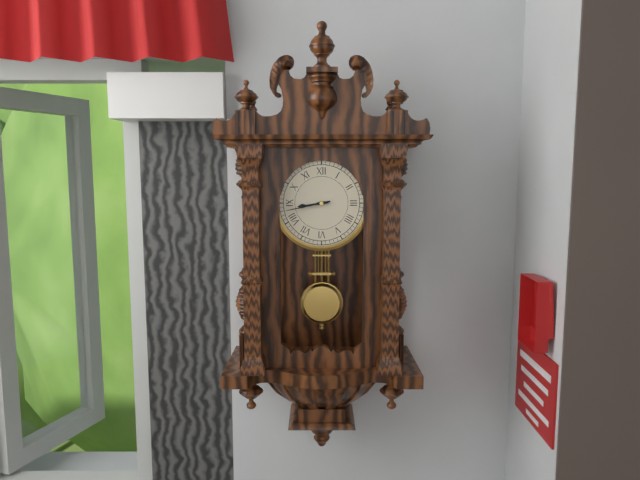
{"hour": 8, "minute": 43}
